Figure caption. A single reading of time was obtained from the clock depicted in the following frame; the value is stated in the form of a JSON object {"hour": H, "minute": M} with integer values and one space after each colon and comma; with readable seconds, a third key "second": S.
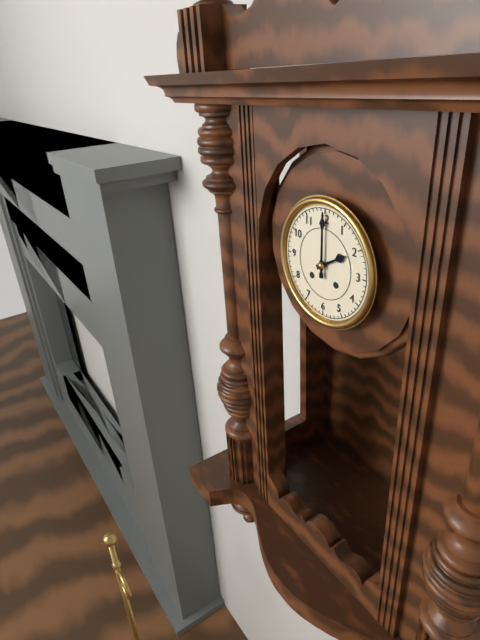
{"hour": 2, "minute": 0}
